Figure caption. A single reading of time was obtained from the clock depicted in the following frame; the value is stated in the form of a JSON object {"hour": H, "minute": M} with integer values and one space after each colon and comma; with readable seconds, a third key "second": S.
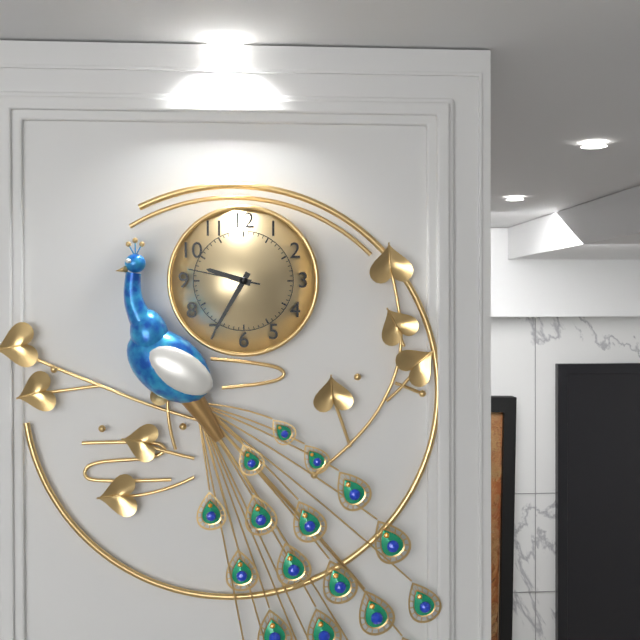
{"hour": 9, "minute": 35, "second": 47}
